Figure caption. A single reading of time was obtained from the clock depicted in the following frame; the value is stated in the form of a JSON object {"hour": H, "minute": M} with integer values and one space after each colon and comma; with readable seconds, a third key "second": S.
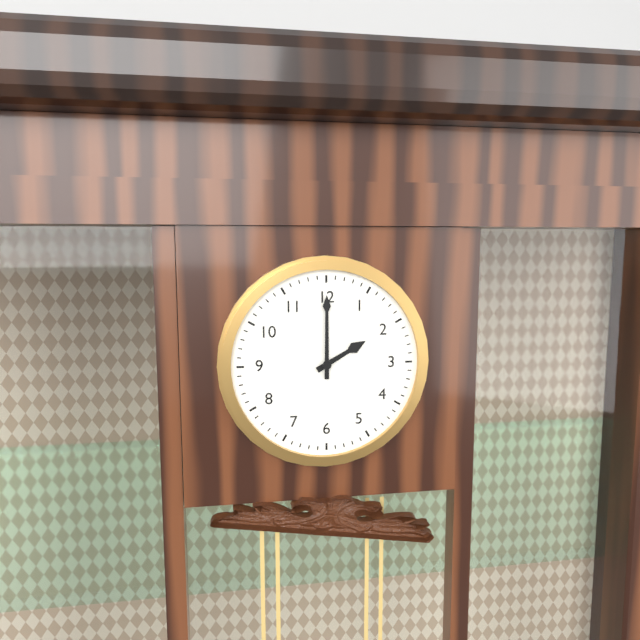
{"hour": 2, "minute": 0}
